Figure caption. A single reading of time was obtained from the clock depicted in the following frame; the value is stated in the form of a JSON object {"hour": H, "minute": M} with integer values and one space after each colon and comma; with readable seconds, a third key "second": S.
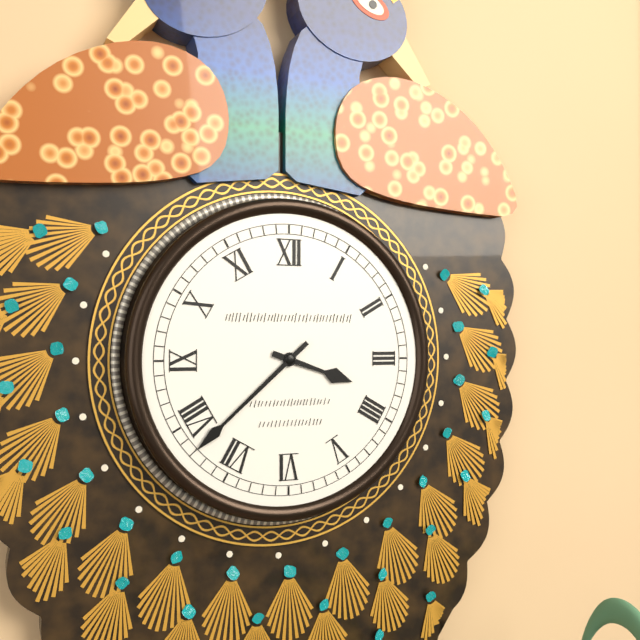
{"hour": 3, "minute": 38}
